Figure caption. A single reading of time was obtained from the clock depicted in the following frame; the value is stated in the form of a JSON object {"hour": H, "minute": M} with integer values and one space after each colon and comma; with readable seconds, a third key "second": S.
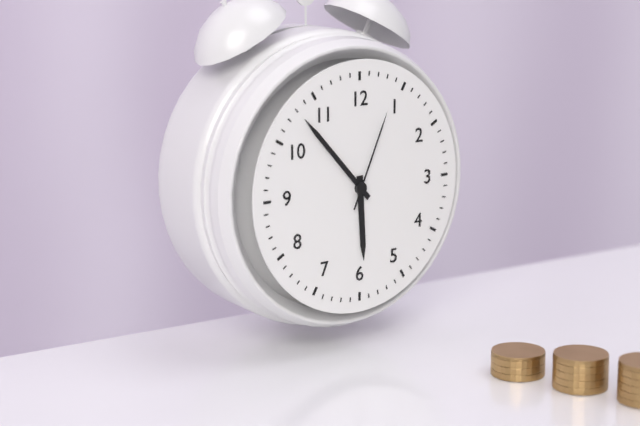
{"hour": 5, "minute": 53, "second": 4}
